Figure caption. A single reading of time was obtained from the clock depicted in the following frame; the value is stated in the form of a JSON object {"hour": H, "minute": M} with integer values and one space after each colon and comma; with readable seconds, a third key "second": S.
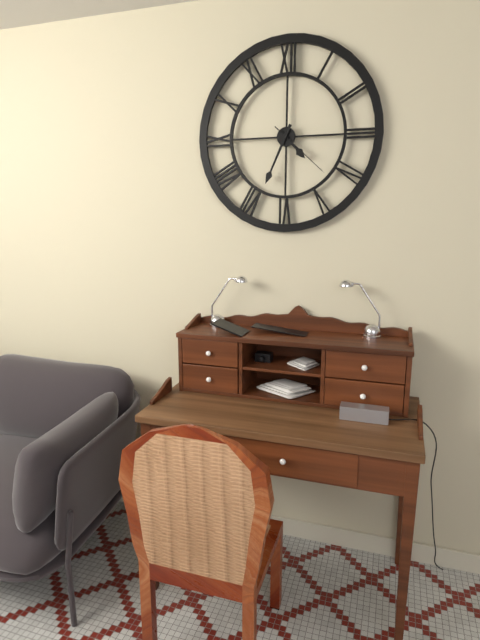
{"hour": 4, "minute": 34, "second": 22}
